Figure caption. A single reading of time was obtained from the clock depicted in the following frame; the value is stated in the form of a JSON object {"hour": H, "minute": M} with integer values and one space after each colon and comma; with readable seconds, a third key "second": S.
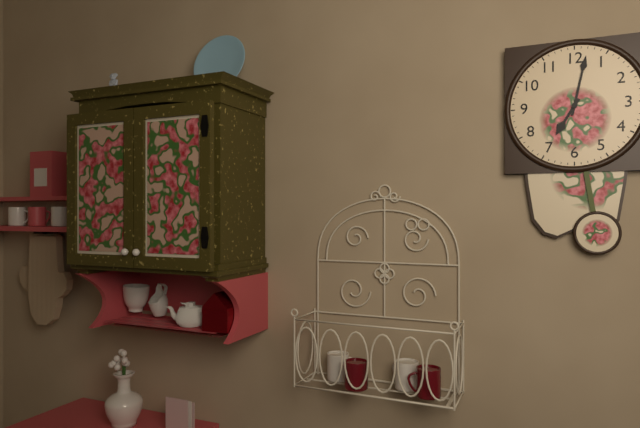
{"hour": 7, "minute": 2}
